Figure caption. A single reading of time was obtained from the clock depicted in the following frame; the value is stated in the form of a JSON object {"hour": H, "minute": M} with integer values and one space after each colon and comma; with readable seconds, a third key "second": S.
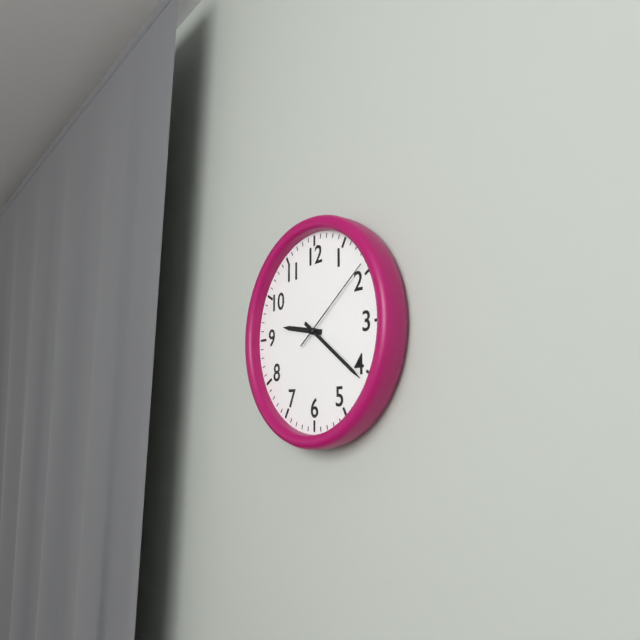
{"hour": 9, "minute": 21, "second": 9}
